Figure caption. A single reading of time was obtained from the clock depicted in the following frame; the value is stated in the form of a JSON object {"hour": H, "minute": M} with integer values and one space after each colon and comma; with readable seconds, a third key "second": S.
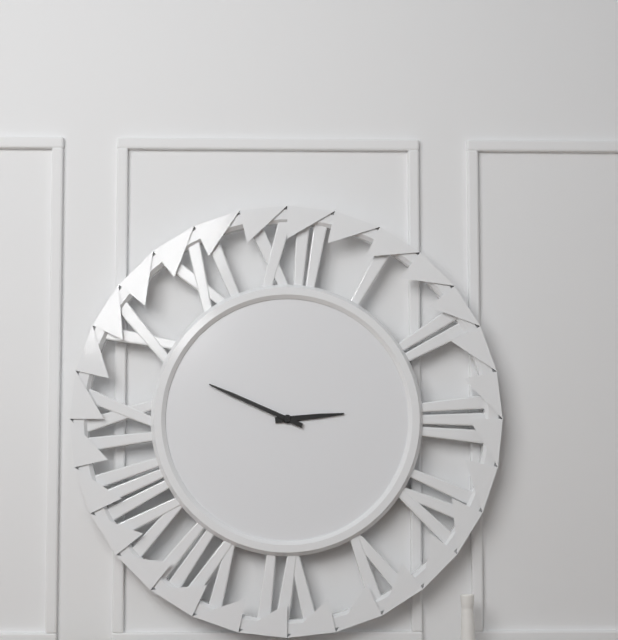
{"hour": 2, "minute": 49}
